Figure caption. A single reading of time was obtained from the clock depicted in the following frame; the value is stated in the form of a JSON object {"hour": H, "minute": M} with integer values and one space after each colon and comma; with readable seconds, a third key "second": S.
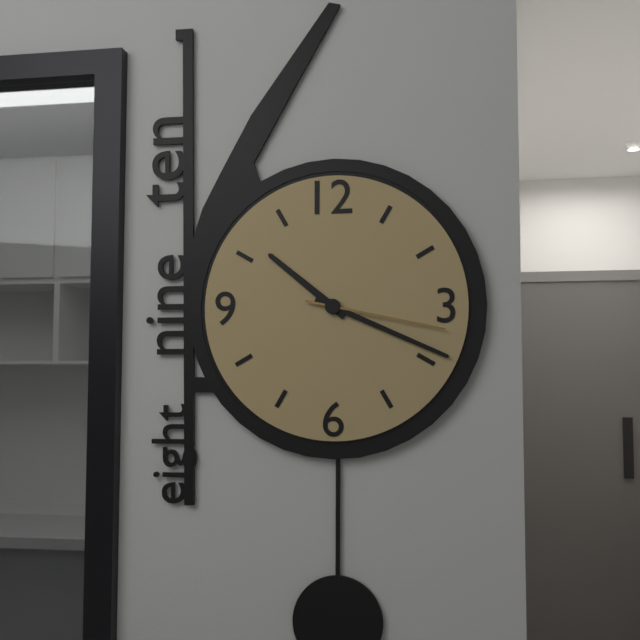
{"hour": 10, "minute": 19, "second": 17}
